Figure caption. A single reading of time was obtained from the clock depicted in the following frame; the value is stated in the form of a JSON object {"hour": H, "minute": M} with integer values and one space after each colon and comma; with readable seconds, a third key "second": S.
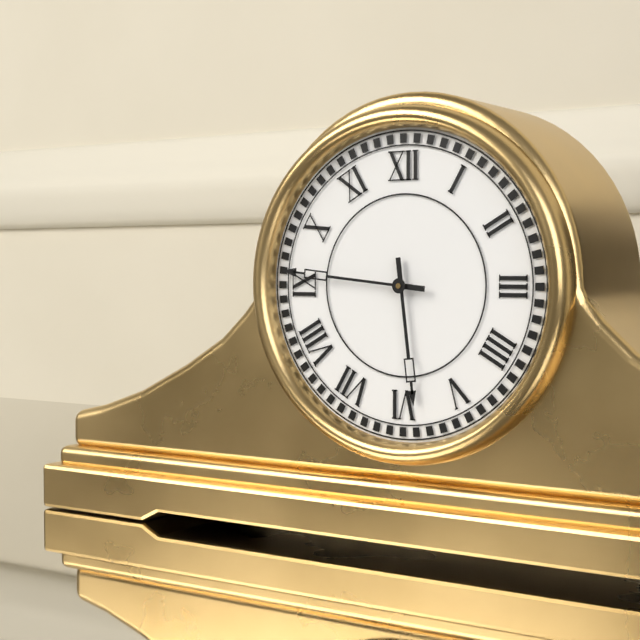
{"hour": 5, "minute": 46}
